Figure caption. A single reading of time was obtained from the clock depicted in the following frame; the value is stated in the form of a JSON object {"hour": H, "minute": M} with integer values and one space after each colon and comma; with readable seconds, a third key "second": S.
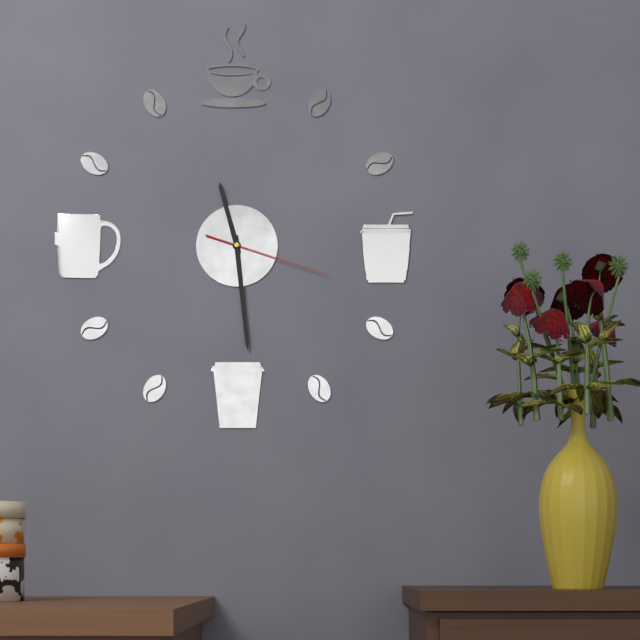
{"hour": 11, "minute": 29, "second": 18}
